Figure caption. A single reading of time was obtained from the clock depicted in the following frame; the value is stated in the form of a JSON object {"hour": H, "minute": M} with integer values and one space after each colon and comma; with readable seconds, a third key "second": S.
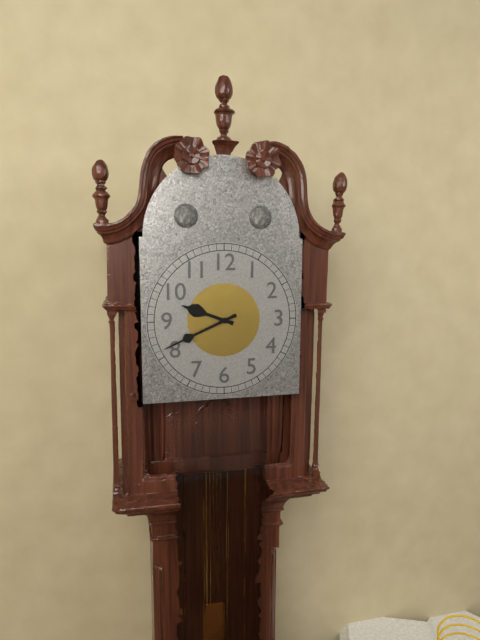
{"hour": 9, "minute": 41}
